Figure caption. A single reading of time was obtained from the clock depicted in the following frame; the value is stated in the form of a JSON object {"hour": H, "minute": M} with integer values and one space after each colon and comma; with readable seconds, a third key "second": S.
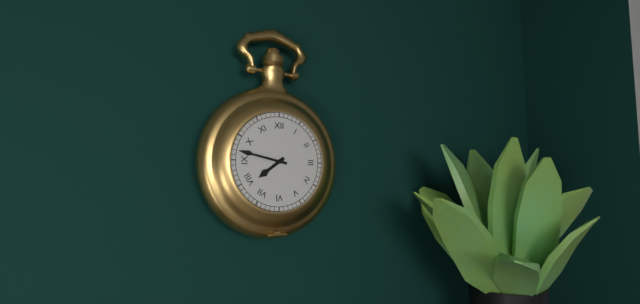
{"hour": 7, "minute": 47}
